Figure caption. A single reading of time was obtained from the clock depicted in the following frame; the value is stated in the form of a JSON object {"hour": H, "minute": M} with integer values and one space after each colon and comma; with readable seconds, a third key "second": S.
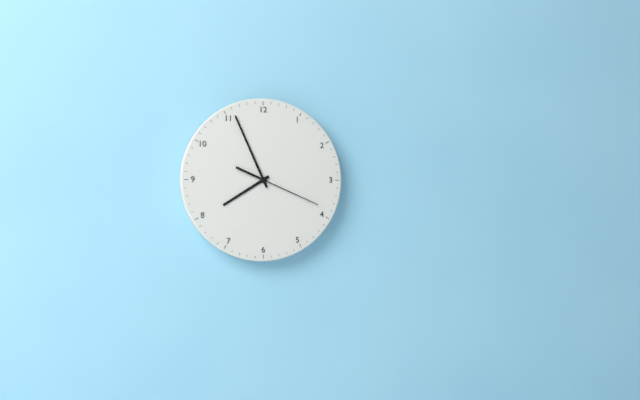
{"hour": 7, "minute": 56, "second": 19}
